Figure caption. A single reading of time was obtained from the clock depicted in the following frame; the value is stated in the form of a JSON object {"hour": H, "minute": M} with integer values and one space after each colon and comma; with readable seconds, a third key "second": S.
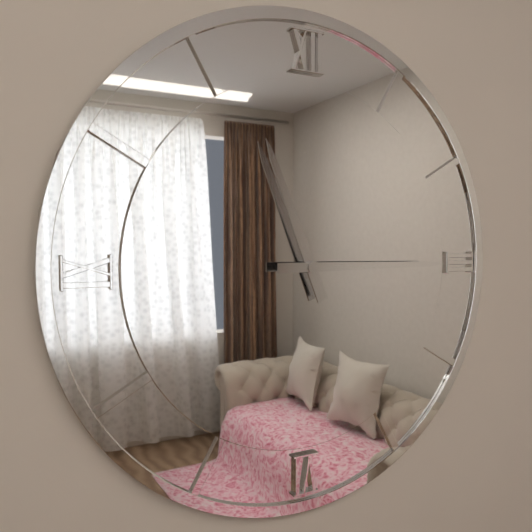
{"hour": 11, "minute": 15}
